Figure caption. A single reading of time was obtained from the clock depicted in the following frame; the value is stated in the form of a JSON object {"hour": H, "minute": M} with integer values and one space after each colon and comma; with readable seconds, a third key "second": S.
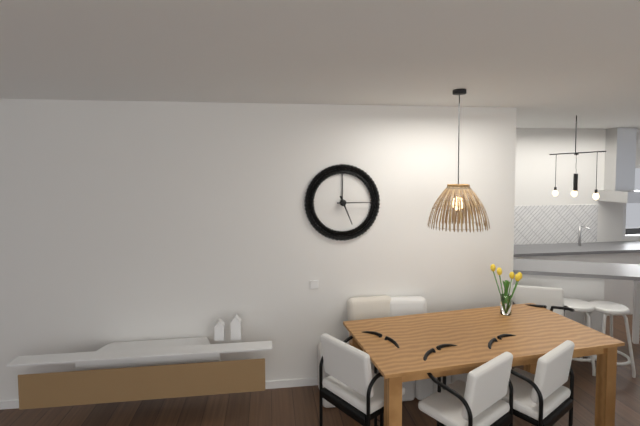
{"hour": 5, "minute": 15}
